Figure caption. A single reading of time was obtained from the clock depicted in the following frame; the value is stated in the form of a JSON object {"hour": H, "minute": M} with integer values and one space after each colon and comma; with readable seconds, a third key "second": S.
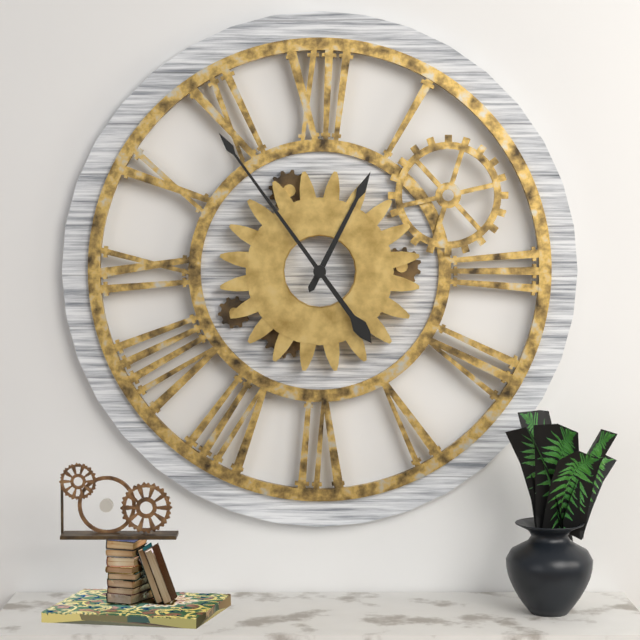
{"hour": 12, "minute": 54}
